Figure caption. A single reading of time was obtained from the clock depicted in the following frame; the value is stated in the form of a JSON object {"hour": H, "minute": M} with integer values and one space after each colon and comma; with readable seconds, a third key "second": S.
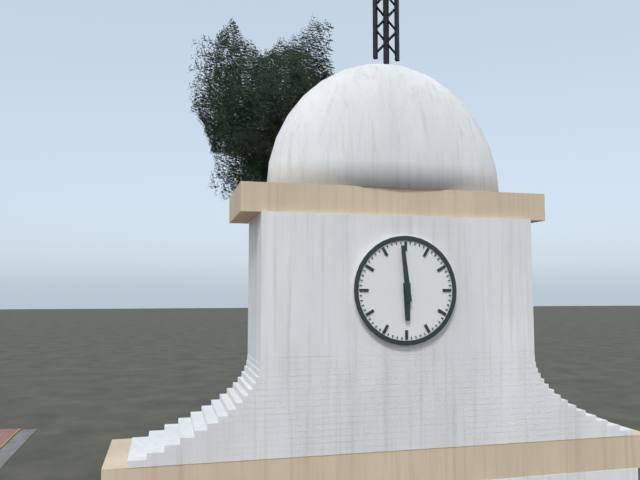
{"hour": 5, "minute": 59}
